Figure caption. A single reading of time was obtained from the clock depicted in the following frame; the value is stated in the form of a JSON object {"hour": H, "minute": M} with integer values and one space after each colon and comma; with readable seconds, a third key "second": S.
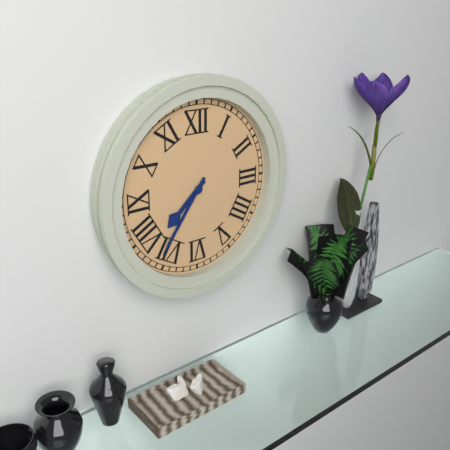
{"hour": 7, "minute": 36}
